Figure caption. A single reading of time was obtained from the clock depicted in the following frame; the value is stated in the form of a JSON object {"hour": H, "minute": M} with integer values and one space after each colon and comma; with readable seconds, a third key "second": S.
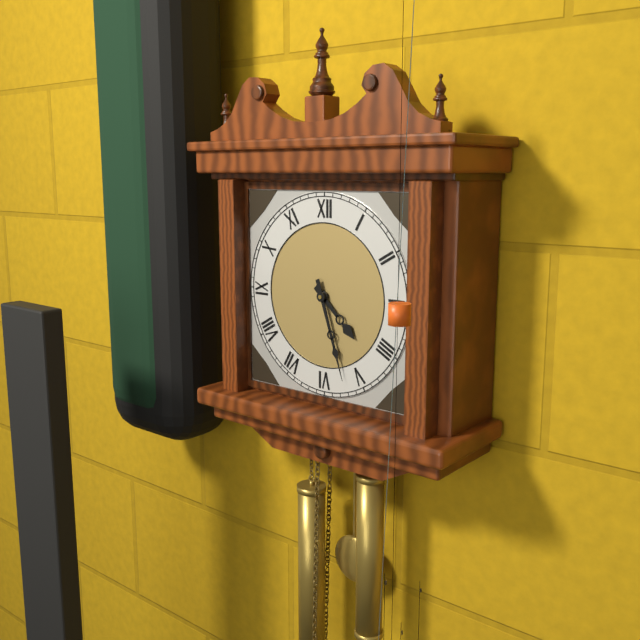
{"hour": 4, "minute": 27}
